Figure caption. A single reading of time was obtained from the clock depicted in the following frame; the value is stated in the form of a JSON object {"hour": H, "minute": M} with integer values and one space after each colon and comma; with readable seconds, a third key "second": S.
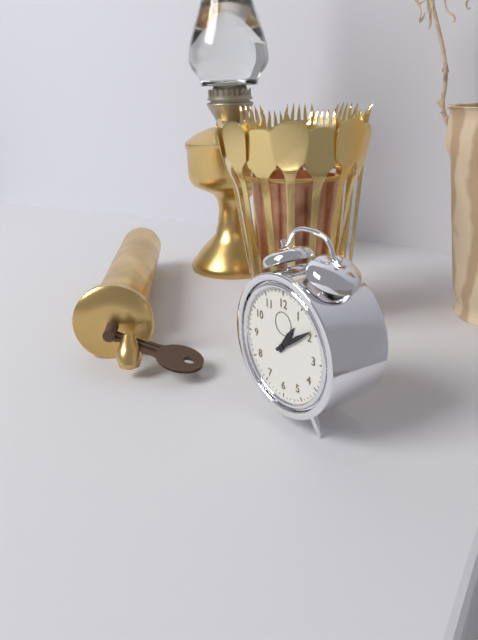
{"hour": 1, "minute": 9}
